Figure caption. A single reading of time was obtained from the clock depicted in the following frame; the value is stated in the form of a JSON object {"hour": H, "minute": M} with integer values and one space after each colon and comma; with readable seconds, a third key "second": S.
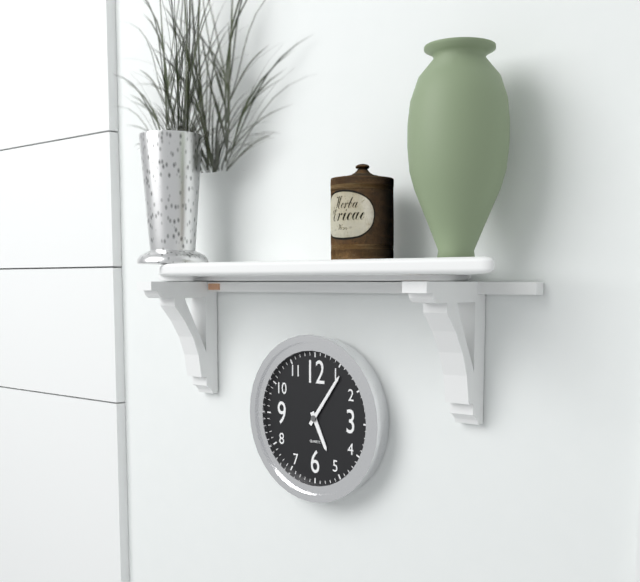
{"hour": 5, "minute": 6}
